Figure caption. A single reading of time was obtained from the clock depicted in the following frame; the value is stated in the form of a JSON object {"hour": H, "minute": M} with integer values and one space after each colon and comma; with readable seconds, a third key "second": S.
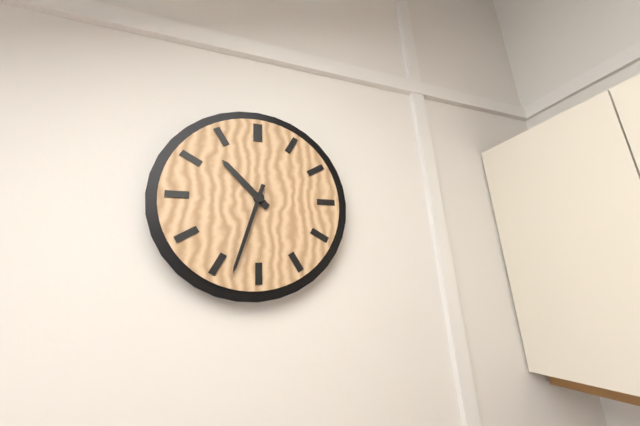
{"hour": 10, "minute": 33}
